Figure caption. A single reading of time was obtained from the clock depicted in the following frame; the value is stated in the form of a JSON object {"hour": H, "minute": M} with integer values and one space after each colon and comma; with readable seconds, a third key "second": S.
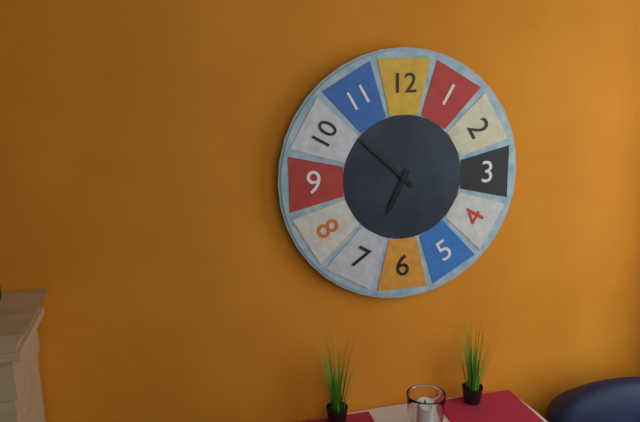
{"hour": 6, "minute": 52}
